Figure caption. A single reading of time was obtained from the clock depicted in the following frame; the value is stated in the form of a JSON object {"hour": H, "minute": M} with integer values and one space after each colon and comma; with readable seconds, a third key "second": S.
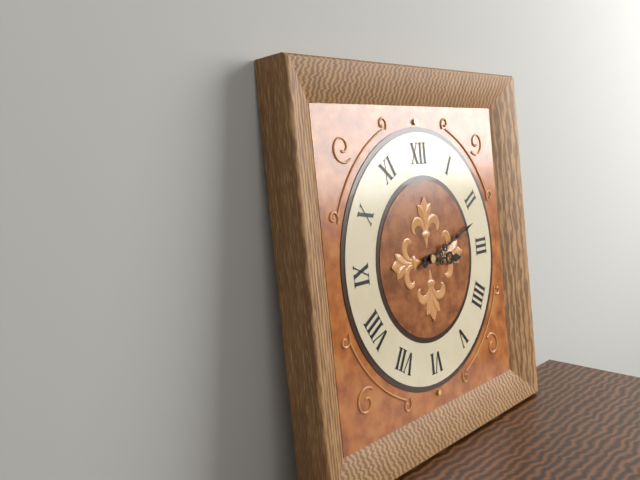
{"hour": 3, "minute": 12}
